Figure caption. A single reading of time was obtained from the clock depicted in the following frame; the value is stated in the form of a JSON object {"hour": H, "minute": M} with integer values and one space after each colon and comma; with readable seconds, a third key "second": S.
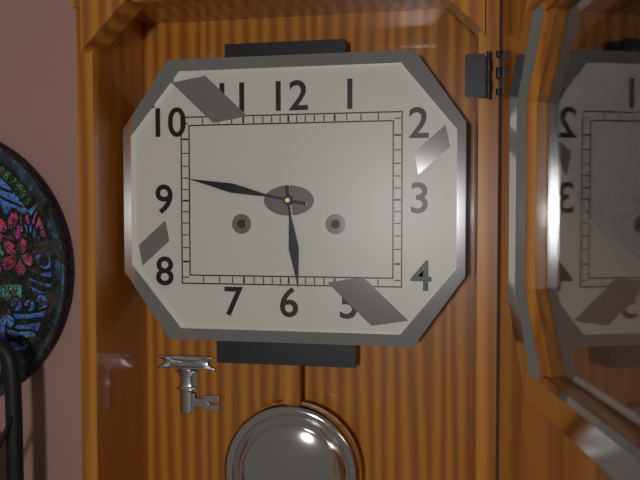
{"hour": 5, "minute": 47}
